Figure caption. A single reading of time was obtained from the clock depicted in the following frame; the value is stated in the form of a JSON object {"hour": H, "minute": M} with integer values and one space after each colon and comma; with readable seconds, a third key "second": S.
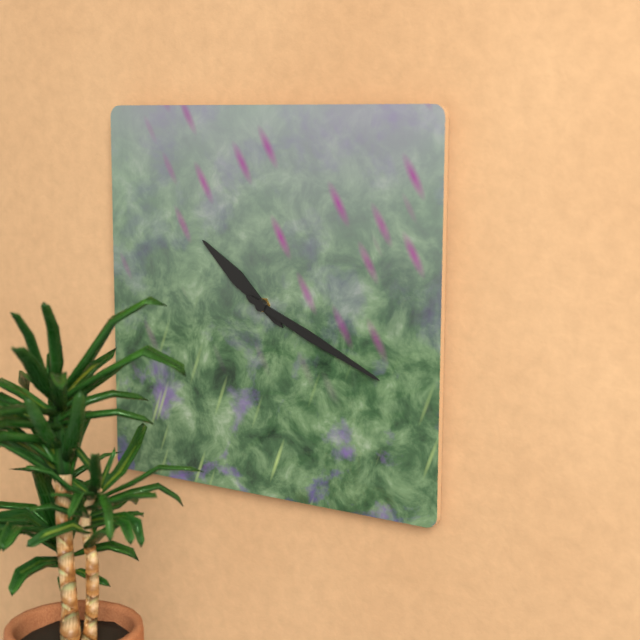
{"hour": 10, "minute": 19}
